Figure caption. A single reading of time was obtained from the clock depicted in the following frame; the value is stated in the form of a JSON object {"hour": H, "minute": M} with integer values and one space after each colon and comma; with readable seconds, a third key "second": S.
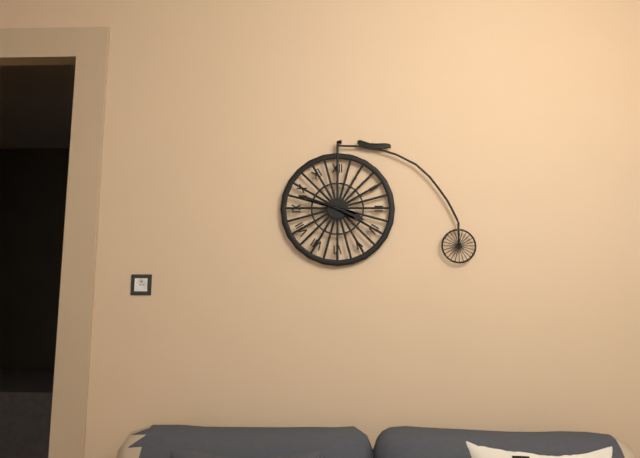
{"hour": 3, "minute": 48}
